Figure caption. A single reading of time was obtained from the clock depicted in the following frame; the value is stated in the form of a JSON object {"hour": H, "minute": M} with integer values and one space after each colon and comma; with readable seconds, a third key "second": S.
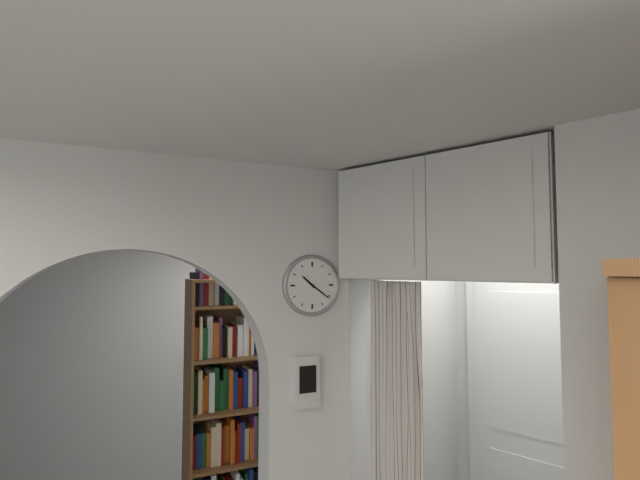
{"hour": 10, "minute": 21}
